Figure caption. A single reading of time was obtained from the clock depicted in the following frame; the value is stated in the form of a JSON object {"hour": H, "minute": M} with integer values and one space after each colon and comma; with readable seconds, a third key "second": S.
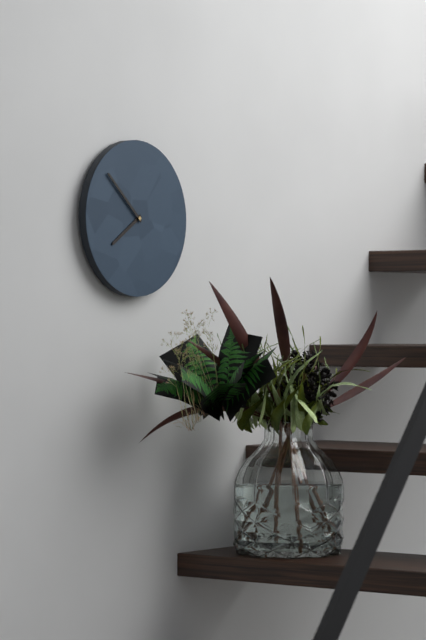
{"hour": 7, "minute": 52}
